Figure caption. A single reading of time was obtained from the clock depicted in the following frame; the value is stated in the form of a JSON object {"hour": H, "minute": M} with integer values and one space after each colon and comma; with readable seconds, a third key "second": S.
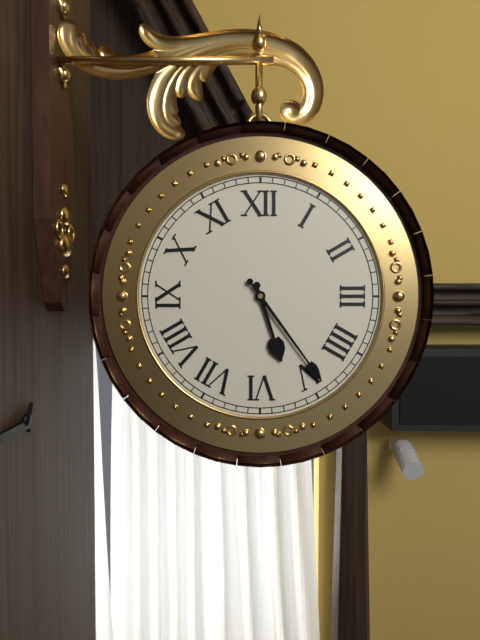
{"hour": 5, "minute": 24}
